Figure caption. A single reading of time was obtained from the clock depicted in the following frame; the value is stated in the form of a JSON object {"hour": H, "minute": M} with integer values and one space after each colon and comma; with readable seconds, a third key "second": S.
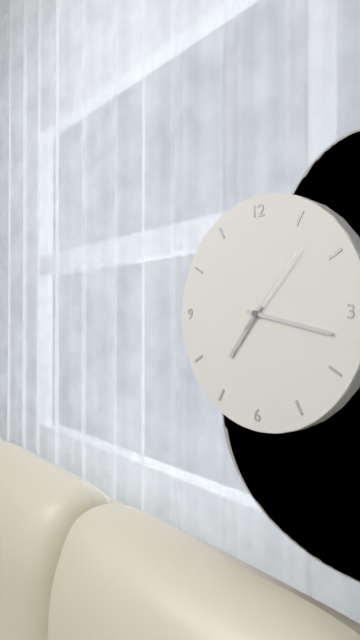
{"hour": 7, "minute": 17, "second": 7}
